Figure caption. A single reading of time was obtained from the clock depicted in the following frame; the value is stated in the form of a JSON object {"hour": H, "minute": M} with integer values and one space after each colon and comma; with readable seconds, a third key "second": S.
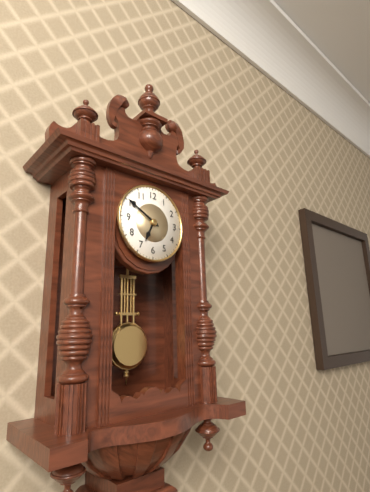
{"hour": 6, "minute": 50}
